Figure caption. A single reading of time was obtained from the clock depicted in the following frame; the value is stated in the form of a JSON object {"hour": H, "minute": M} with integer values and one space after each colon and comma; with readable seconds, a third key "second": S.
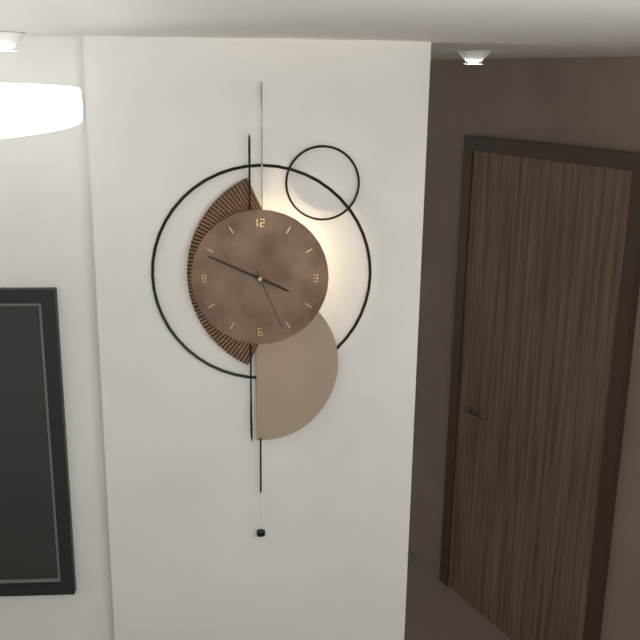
{"hour": 3, "minute": 49, "second": 26}
